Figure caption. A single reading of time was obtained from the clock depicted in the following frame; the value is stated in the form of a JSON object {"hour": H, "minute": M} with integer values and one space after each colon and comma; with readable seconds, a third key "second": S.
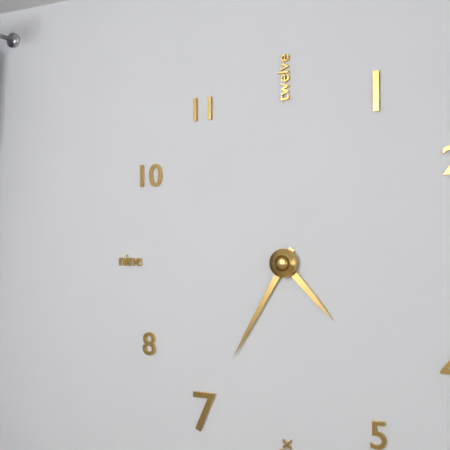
{"hour": 4, "minute": 35}
